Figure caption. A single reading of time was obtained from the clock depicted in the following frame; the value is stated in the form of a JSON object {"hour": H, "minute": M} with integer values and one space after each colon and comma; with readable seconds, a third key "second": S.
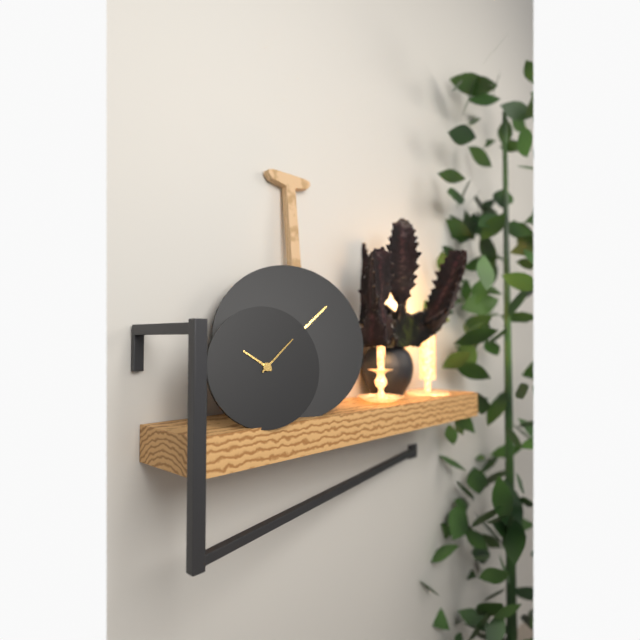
{"hour": 10, "minute": 8}
